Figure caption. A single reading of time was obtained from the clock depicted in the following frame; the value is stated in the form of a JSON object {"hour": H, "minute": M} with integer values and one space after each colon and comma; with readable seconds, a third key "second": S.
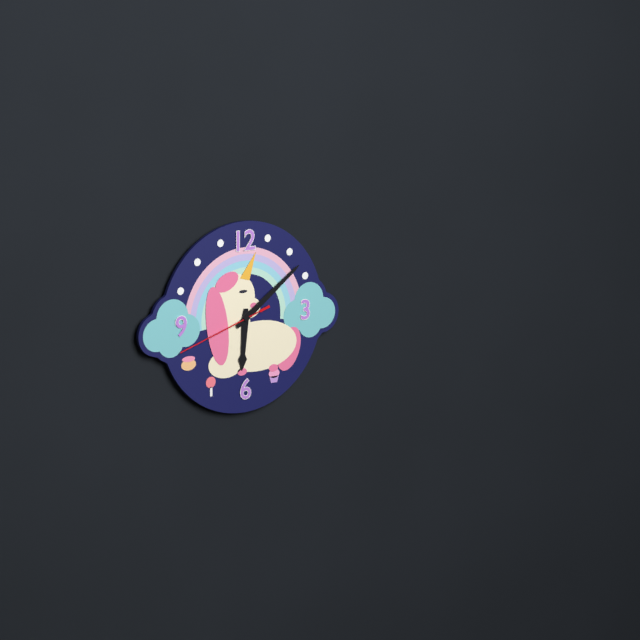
{"hour": 6, "minute": 9, "second": 42}
